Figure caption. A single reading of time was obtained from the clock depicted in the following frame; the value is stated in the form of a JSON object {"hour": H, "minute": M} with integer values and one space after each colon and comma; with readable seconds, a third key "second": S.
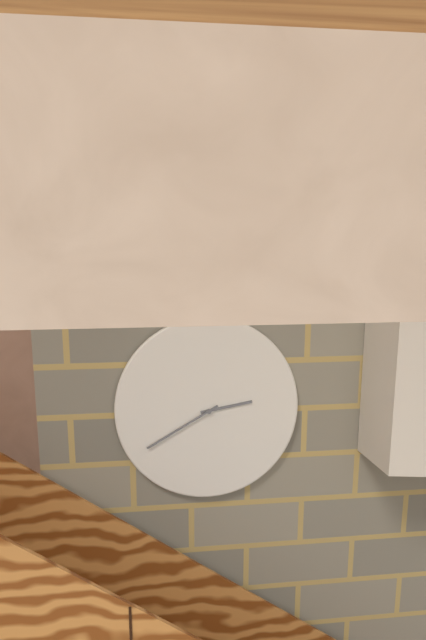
{"hour": 2, "minute": 40}
